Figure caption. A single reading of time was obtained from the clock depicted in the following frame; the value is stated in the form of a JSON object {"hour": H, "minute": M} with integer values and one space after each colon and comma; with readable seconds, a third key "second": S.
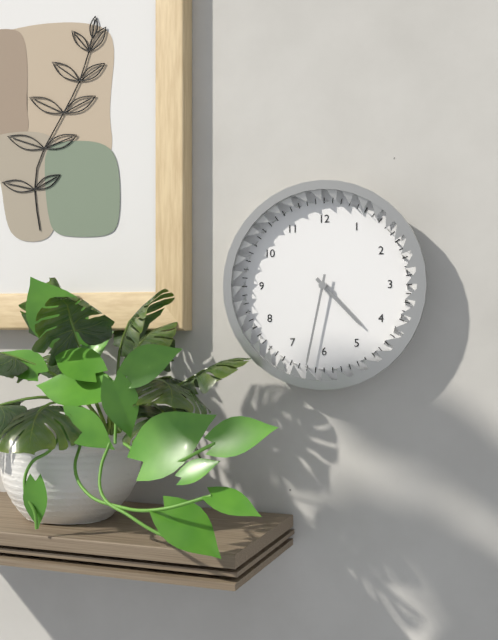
{"hour": 4, "minute": 32}
